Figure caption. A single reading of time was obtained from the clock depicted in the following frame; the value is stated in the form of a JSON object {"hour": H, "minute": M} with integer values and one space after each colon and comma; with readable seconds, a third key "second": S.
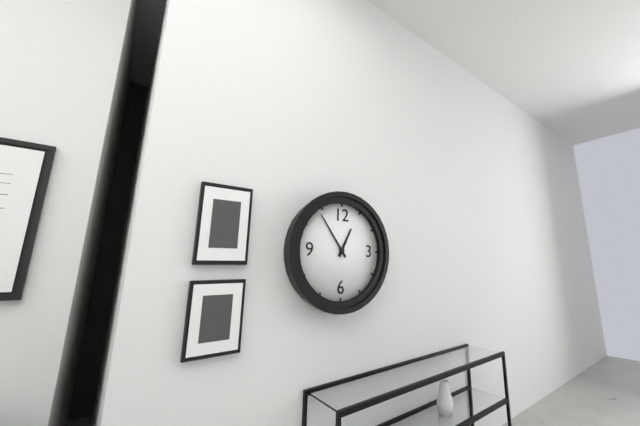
{"hour": 12, "minute": 54}
